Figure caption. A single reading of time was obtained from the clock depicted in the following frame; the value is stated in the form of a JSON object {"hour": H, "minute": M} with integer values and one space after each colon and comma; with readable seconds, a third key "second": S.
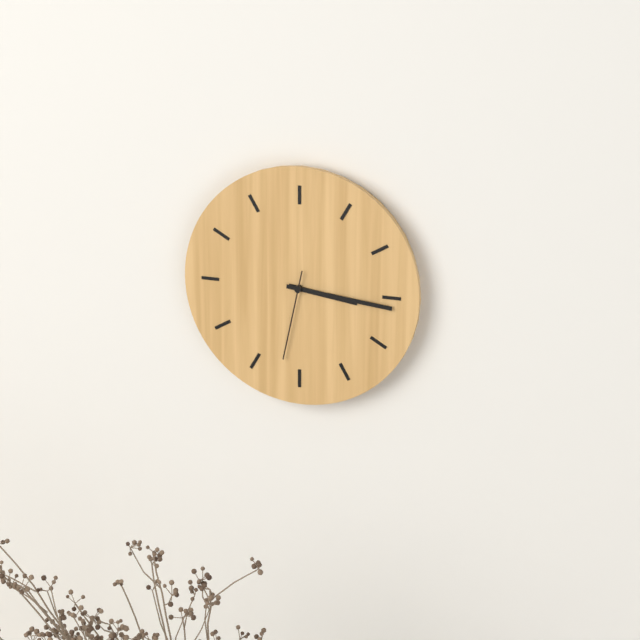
{"hour": 3, "minute": 16, "second": 32}
